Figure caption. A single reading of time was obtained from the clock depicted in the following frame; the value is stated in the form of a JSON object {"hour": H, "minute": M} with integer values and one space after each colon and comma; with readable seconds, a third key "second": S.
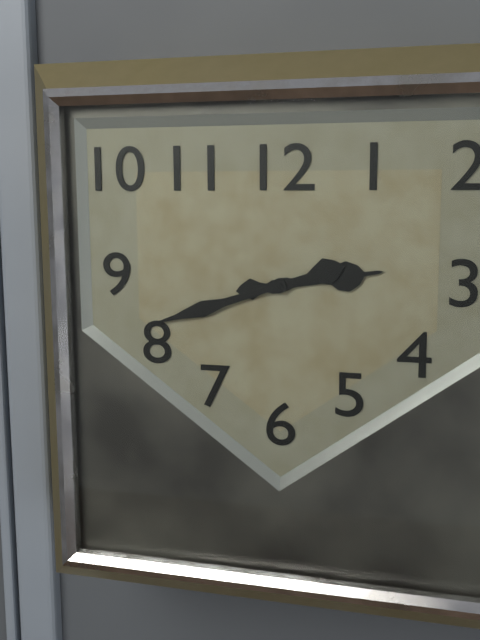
{"hour": 2, "minute": 42}
